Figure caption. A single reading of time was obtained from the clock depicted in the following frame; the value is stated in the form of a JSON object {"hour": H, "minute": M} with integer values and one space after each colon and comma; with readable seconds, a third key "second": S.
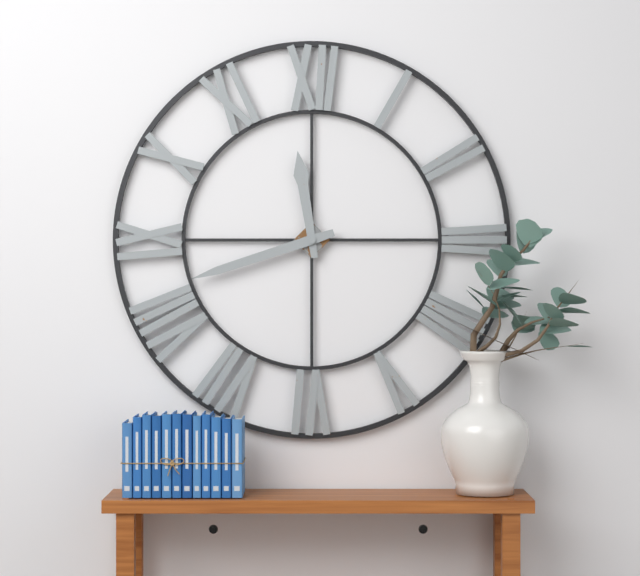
{"hour": 11, "minute": 42}
